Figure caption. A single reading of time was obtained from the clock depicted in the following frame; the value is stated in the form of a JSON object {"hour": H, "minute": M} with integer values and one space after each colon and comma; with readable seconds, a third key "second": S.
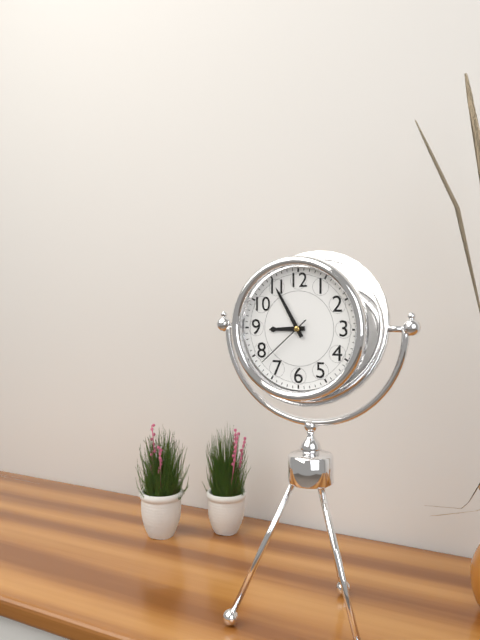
{"hour": 8, "minute": 55, "second": 38}
